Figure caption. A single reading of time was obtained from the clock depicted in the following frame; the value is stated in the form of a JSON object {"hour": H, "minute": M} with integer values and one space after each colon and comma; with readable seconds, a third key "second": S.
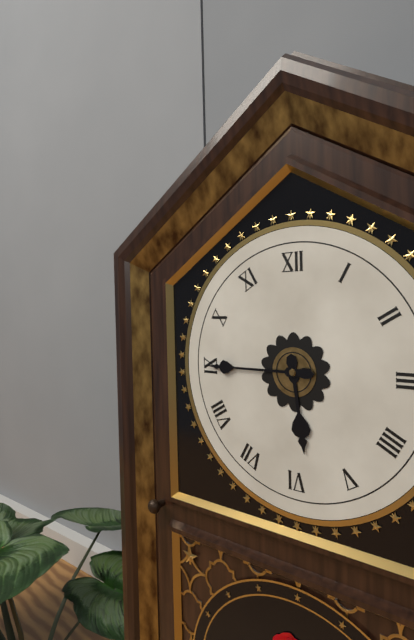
{"hour": 5, "minute": 45}
